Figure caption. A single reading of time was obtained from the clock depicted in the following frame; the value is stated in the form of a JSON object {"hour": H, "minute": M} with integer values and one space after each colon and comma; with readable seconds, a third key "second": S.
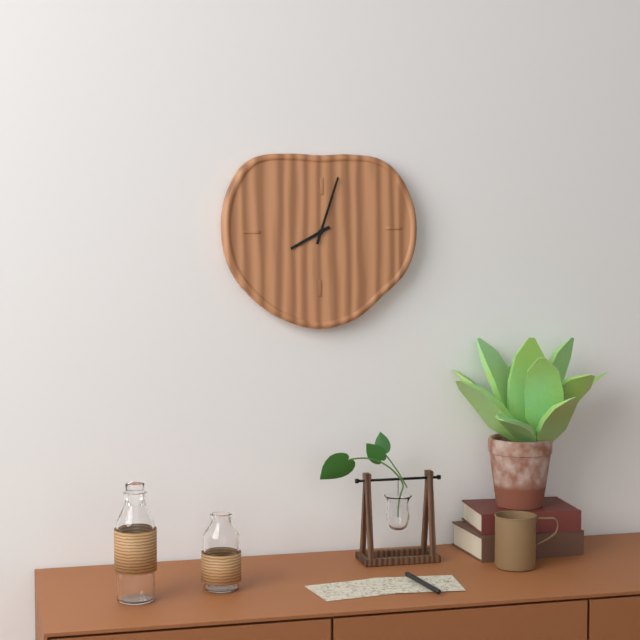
{"hour": 8, "minute": 3}
